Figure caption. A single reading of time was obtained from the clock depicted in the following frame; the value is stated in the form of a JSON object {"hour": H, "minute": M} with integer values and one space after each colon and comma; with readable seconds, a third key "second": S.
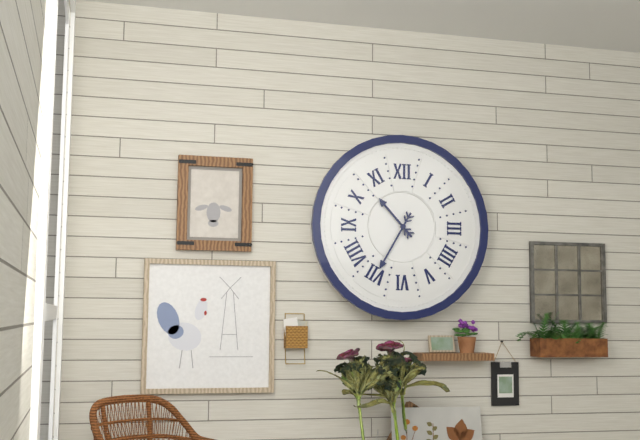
{"hour": 10, "minute": 35}
